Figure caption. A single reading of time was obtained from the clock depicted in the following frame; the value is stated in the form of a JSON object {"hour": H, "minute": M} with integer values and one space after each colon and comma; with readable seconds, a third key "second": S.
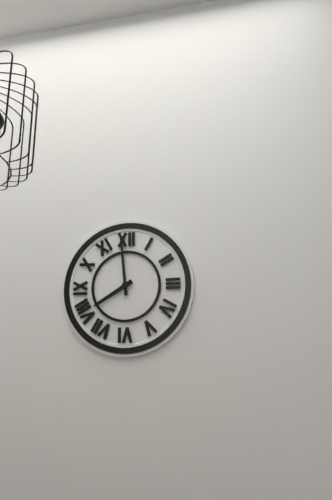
{"hour": 7, "minute": 59}
